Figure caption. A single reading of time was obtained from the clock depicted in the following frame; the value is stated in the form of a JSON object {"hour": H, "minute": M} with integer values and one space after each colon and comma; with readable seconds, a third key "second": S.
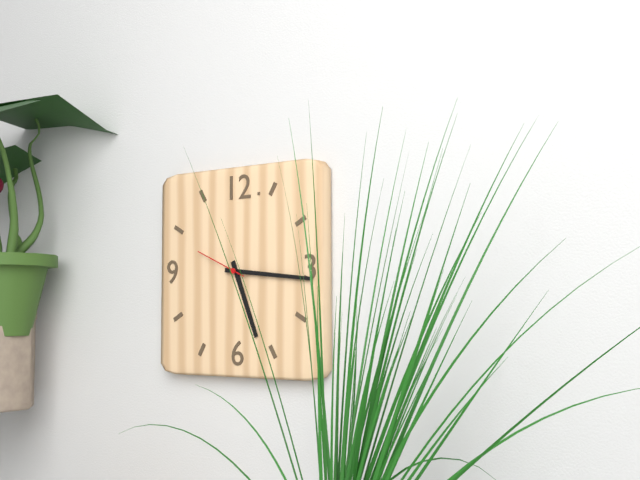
{"hour": 5, "minute": 16, "second": 49}
